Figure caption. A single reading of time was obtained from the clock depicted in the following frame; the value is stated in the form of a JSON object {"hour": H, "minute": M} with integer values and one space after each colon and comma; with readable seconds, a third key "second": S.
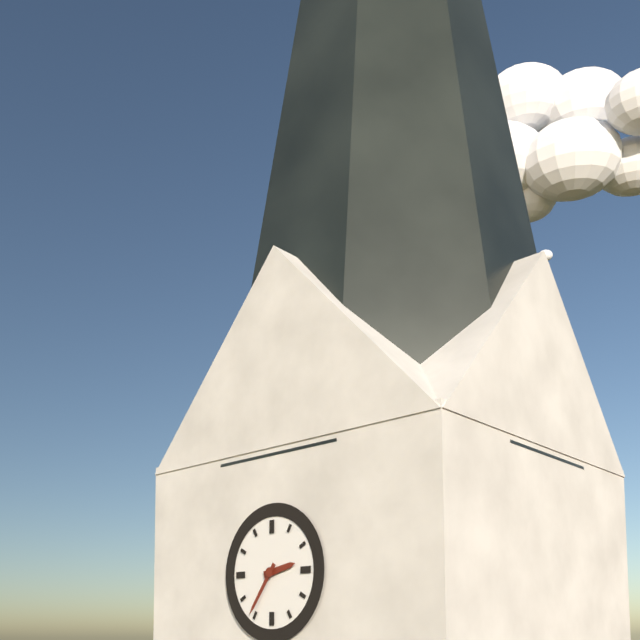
{"hour": 2, "minute": 36}
